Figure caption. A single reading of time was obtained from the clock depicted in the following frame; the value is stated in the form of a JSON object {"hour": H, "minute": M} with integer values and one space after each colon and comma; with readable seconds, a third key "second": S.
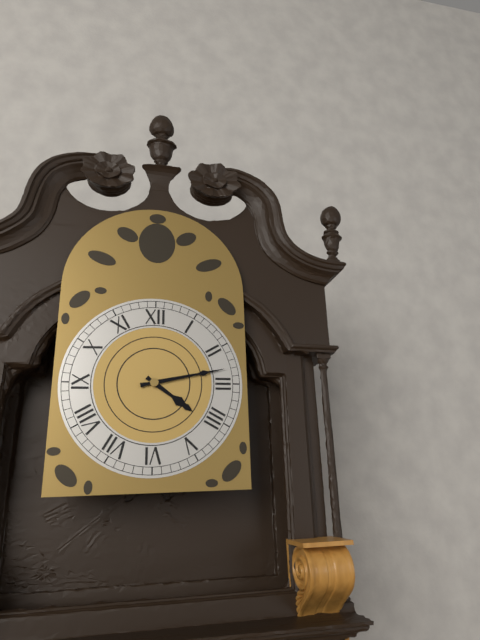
{"hour": 4, "minute": 13}
